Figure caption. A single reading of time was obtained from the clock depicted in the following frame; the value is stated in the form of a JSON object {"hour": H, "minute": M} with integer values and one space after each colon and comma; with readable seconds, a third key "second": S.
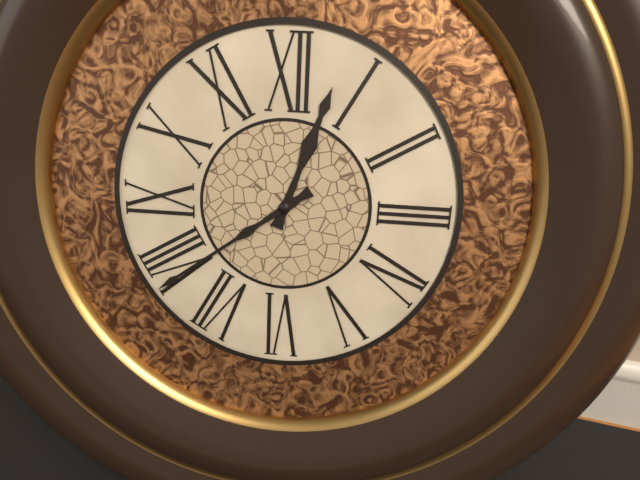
{"hour": 12, "minute": 39}
